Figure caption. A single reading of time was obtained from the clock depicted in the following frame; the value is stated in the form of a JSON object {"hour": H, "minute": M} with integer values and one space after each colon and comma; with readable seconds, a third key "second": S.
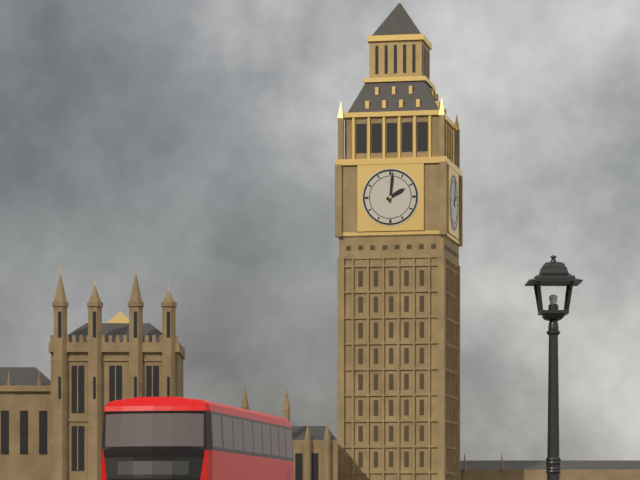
{"hour": 2, "minute": 1}
